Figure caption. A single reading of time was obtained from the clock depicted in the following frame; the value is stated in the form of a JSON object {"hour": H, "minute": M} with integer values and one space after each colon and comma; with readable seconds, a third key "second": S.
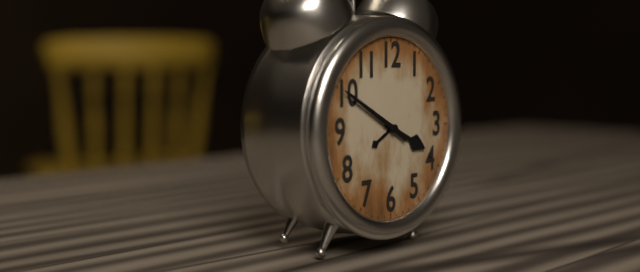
{"hour": 3, "minute": 50}
